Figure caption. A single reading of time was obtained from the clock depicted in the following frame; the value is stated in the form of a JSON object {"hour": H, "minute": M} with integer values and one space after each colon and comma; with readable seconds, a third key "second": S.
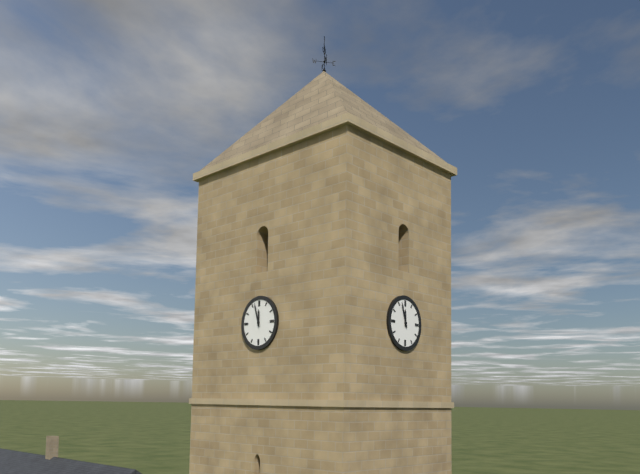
{"hour": 11, "minute": 57}
